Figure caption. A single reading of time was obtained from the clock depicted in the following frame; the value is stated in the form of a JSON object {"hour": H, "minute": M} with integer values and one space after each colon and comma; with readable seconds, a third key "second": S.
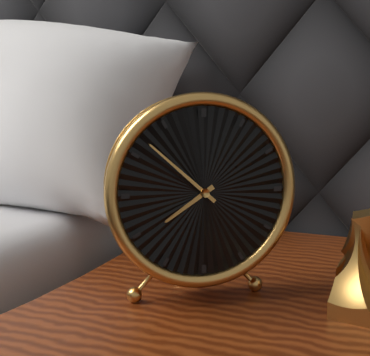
{"hour": 7, "minute": 52}
